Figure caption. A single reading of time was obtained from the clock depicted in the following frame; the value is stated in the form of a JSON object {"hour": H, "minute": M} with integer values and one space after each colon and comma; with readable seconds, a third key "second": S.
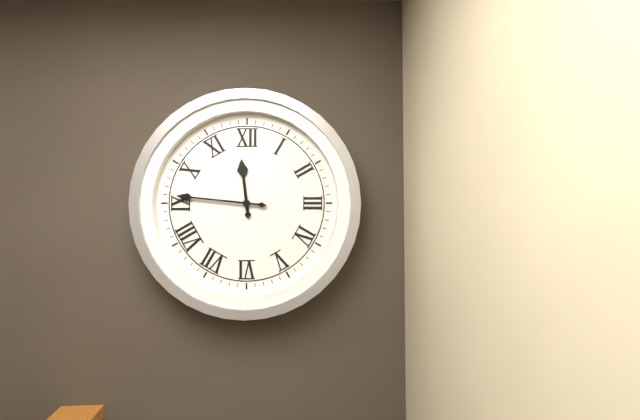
{"hour": 11, "minute": 46}
